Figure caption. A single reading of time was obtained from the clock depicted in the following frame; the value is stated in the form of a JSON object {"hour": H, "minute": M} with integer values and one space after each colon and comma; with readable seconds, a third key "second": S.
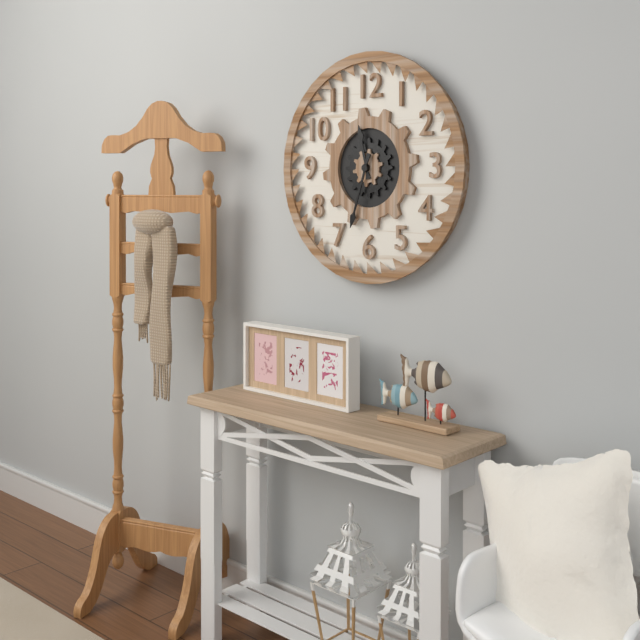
{"hour": 11, "minute": 33}
